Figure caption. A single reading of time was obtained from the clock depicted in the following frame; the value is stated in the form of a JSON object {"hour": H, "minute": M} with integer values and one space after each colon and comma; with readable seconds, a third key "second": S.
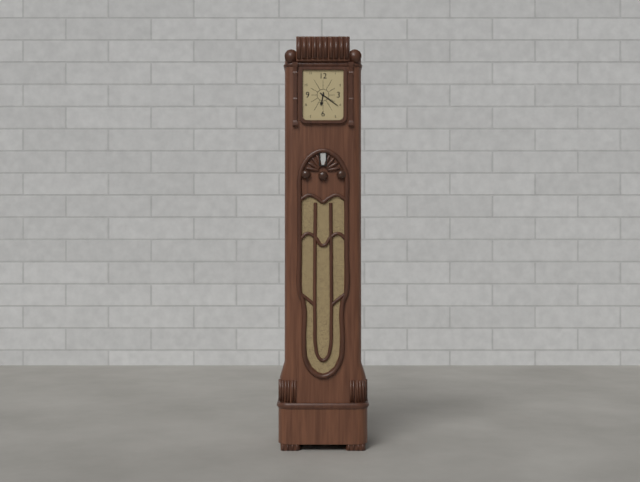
{"hour": 6, "minute": 21}
